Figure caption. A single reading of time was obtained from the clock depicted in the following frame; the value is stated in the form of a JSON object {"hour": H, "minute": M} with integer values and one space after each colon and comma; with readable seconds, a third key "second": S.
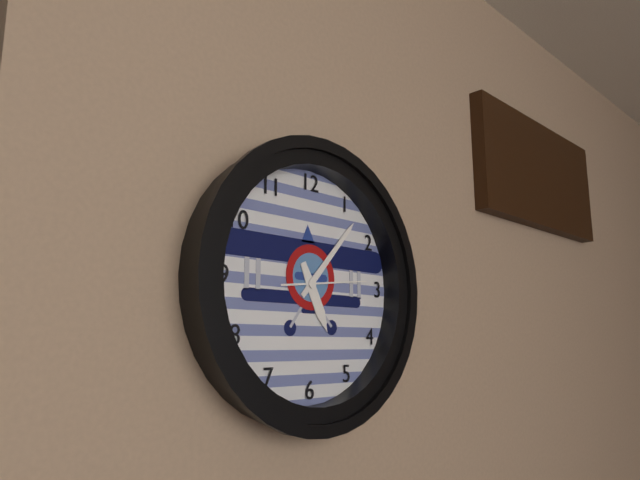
{"hour": 5, "minute": 7, "second": 14}
